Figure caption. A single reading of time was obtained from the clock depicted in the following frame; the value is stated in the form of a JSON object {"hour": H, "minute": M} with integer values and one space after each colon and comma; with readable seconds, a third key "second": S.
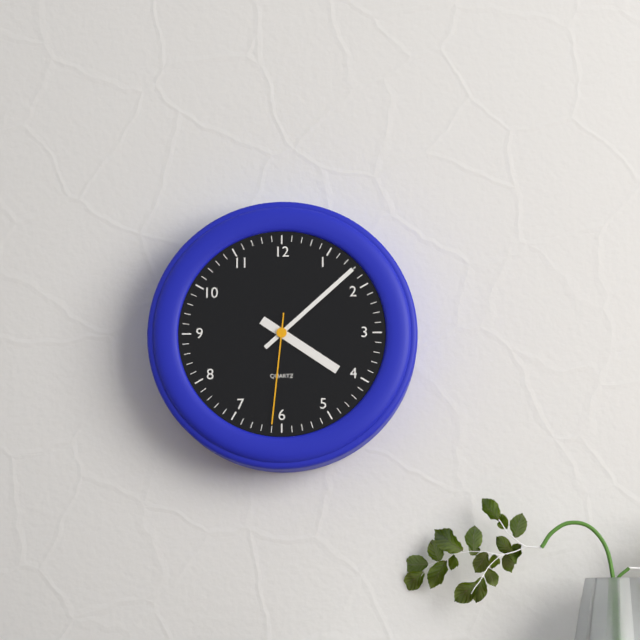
{"hour": 4, "minute": 8, "second": 31}
